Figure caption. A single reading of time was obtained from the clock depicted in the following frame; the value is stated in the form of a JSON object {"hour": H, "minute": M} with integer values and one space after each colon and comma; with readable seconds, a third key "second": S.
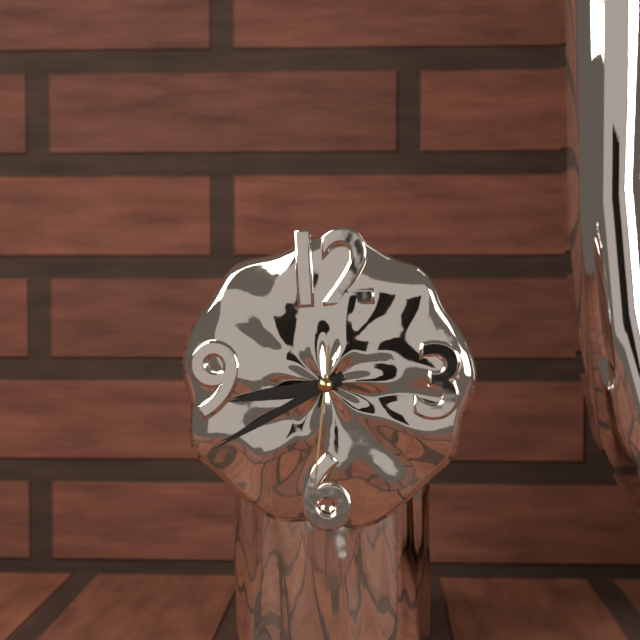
{"hour": 8, "minute": 40, "second": 31}
